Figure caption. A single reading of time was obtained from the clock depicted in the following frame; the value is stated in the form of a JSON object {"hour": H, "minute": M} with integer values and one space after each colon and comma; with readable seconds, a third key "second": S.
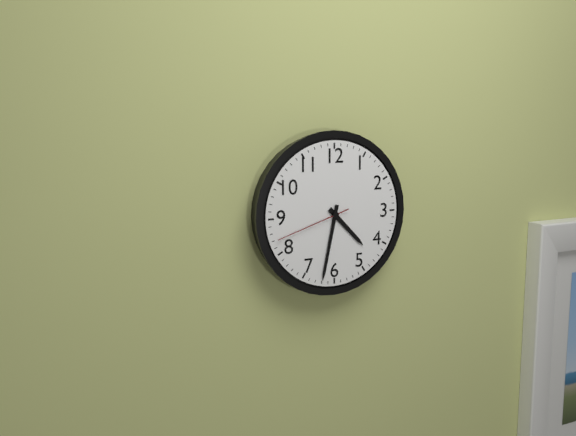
{"hour": 4, "minute": 32, "second": 42}
